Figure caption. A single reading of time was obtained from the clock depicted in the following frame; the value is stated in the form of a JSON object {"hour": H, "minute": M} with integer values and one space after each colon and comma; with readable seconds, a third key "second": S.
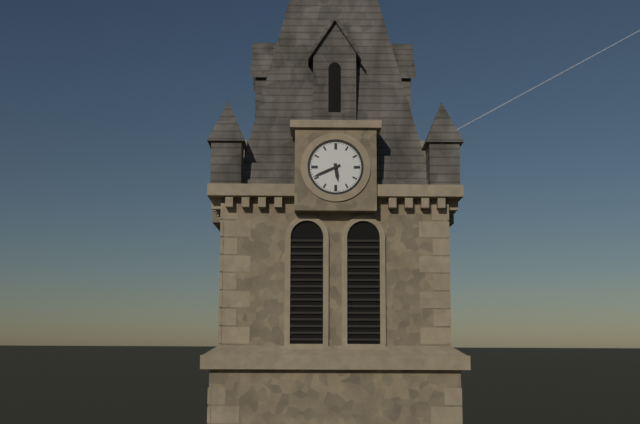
{"hour": 5, "minute": 41}
